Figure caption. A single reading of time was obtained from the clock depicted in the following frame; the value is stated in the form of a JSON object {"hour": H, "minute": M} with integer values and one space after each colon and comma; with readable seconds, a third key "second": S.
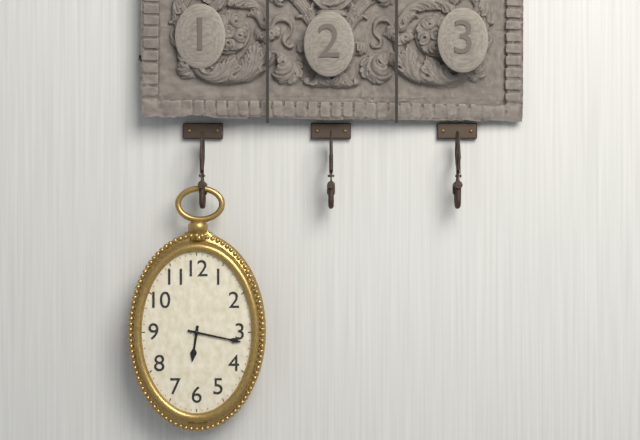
{"hour": 6, "minute": 17}
